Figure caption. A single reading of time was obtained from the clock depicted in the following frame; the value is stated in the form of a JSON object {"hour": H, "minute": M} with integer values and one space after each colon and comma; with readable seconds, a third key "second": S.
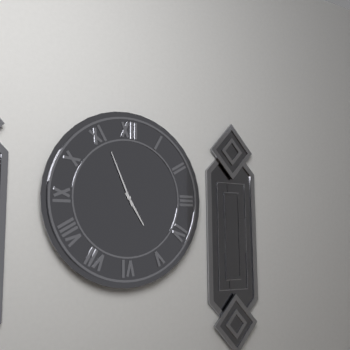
{"hour": 4, "minute": 56}
